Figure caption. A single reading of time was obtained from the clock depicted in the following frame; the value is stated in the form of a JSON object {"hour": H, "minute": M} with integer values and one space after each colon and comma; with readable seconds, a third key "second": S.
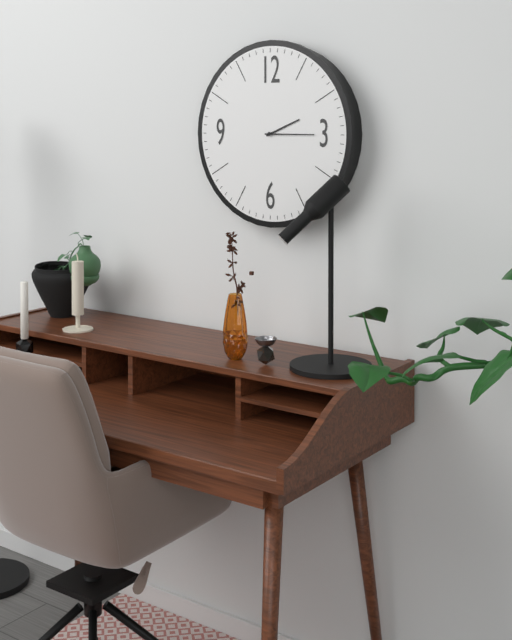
{"hour": 2, "minute": 15}
